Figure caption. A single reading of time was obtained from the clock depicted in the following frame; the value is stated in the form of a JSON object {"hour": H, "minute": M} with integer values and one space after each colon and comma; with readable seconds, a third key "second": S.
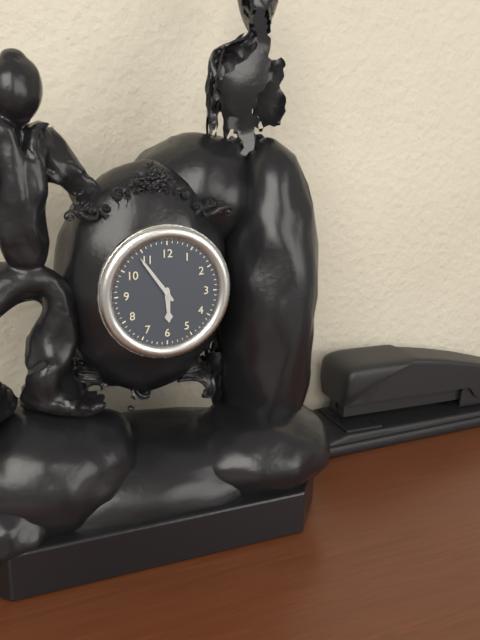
{"hour": 5, "minute": 54}
